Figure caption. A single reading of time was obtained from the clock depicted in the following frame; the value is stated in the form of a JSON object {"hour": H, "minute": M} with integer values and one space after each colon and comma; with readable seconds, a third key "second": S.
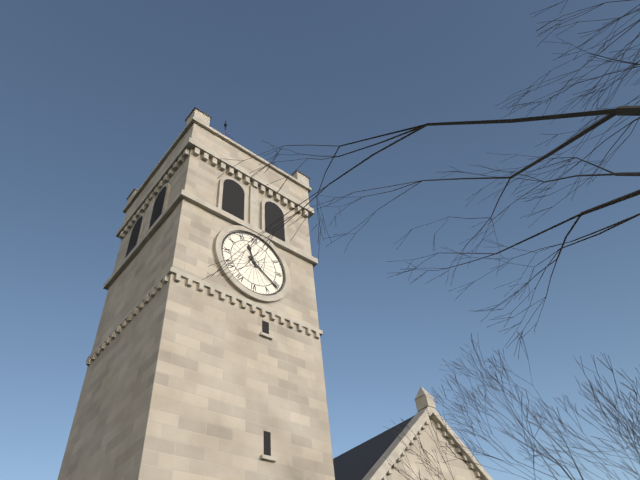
{"hour": 11, "minute": 21}
